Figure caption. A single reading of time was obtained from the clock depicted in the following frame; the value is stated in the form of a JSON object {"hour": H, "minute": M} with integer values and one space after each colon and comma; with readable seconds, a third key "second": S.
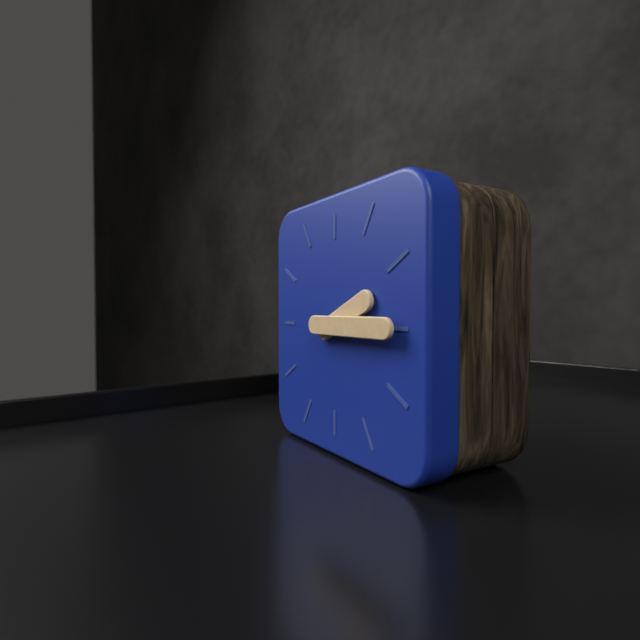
{"hour": 2, "minute": 15}
